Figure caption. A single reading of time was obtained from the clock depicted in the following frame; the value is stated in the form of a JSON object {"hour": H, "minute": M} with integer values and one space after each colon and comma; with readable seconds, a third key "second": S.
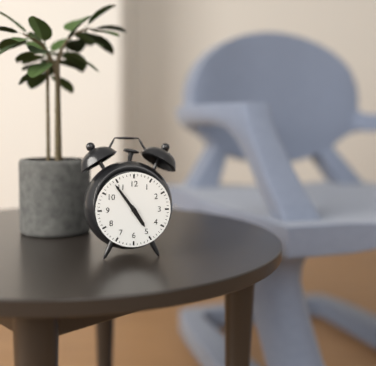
{"hour": 4, "minute": 54}
